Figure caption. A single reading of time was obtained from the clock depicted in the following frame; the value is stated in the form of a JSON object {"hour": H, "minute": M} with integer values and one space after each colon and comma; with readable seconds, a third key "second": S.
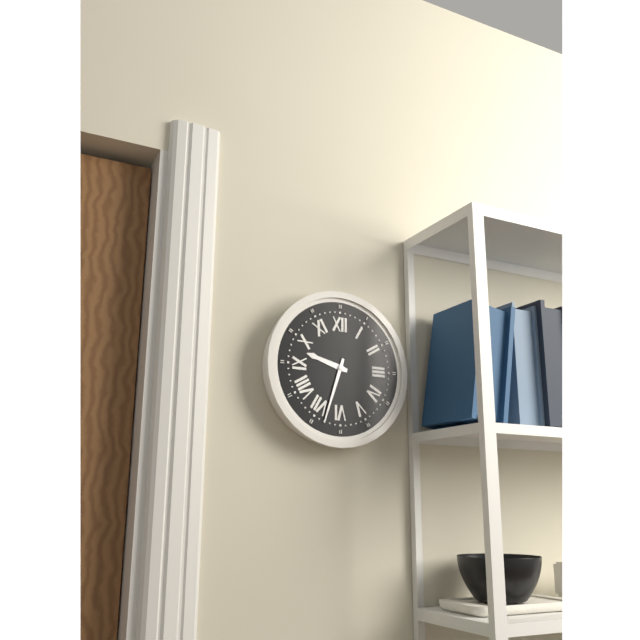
{"hour": 9, "minute": 33}
